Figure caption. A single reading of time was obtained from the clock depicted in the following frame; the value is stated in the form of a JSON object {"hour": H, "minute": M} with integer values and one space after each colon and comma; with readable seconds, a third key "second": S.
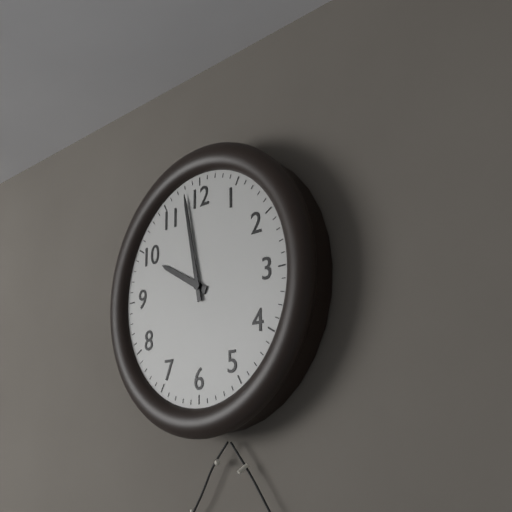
{"hour": 9, "minute": 58}
